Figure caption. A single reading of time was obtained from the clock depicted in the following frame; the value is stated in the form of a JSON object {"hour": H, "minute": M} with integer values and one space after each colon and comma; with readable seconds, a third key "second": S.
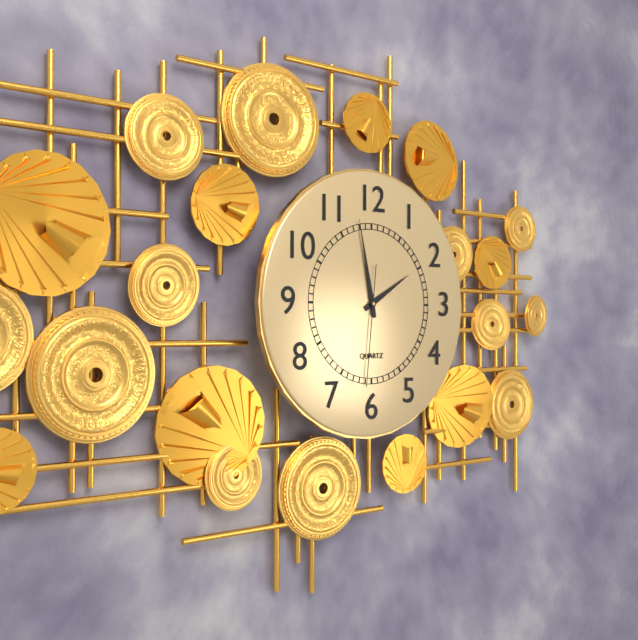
{"hour": 1, "minute": 58, "second": 31}
